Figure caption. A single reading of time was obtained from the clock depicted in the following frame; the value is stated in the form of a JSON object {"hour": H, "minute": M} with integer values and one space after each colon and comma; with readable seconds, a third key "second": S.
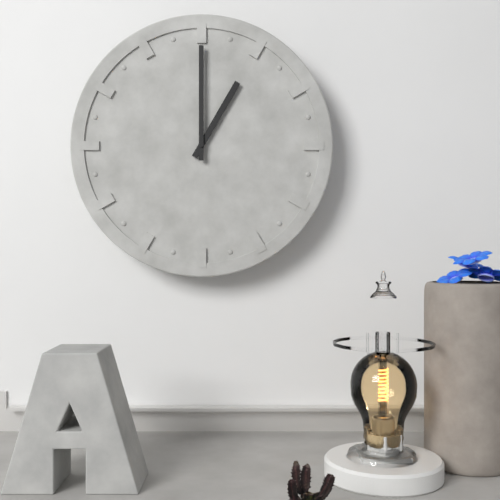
{"hour": 1, "minute": 0}
